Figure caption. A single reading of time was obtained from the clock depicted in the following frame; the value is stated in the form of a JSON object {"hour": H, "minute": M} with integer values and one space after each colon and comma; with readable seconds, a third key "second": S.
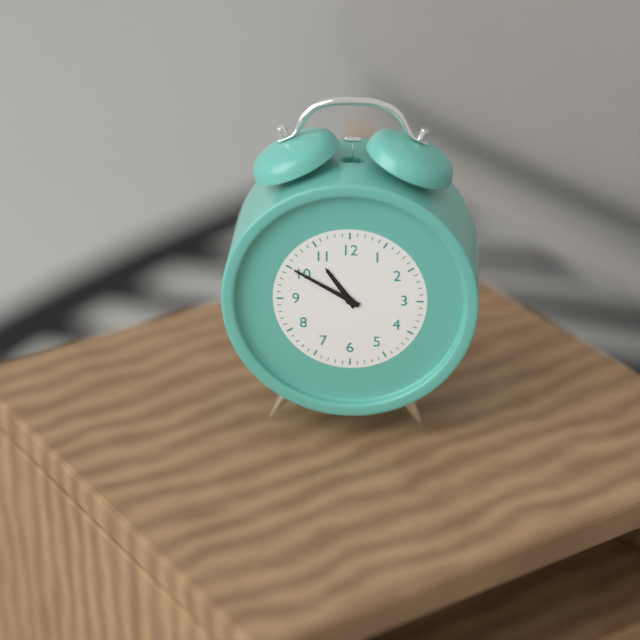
{"hour": 10, "minute": 50}
